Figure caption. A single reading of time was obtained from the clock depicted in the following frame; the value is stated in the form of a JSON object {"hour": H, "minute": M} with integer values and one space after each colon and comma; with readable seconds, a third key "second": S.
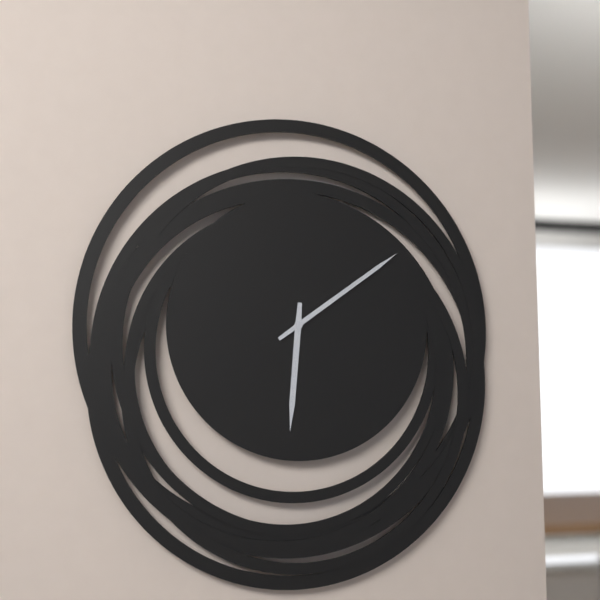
{"hour": 6, "minute": 9}
